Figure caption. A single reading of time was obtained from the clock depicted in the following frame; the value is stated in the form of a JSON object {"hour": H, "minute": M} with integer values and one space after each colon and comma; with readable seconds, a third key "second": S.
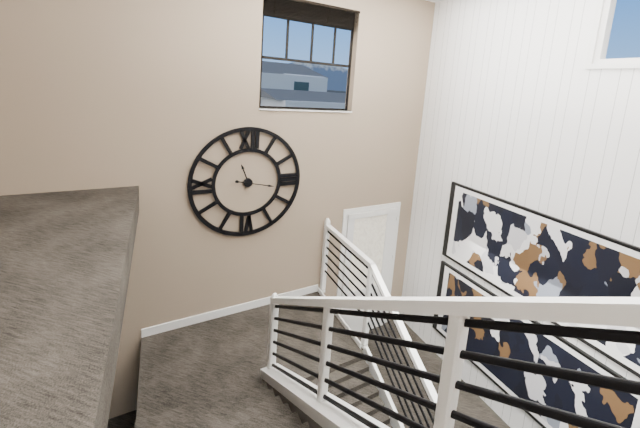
{"hour": 11, "minute": 17}
